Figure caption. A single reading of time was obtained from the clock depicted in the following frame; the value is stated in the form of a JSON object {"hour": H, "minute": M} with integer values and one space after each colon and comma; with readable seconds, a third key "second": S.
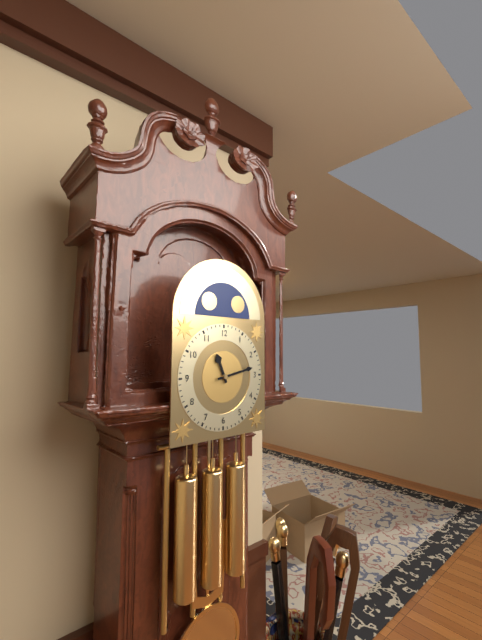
{"hour": 11, "minute": 13}
